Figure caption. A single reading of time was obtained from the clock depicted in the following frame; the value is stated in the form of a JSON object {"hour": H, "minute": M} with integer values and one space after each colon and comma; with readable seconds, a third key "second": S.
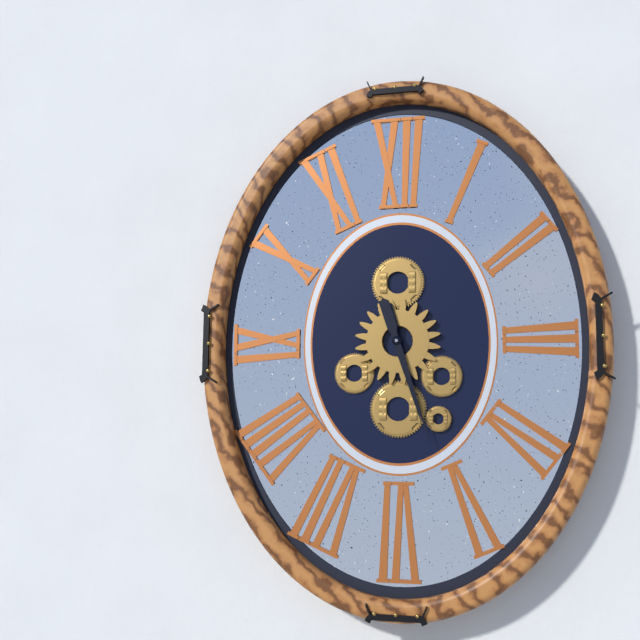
{"hour": 5, "minute": 27}
